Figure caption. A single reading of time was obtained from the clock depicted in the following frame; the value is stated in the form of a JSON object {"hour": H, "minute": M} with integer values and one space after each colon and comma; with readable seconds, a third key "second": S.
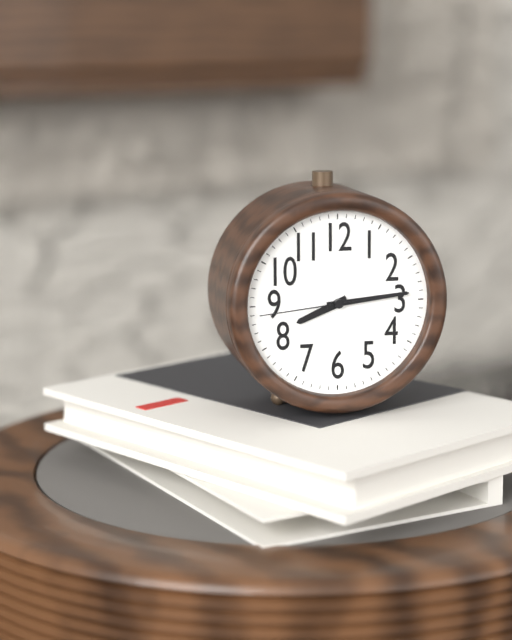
{"hour": 8, "minute": 14, "second": 44}
